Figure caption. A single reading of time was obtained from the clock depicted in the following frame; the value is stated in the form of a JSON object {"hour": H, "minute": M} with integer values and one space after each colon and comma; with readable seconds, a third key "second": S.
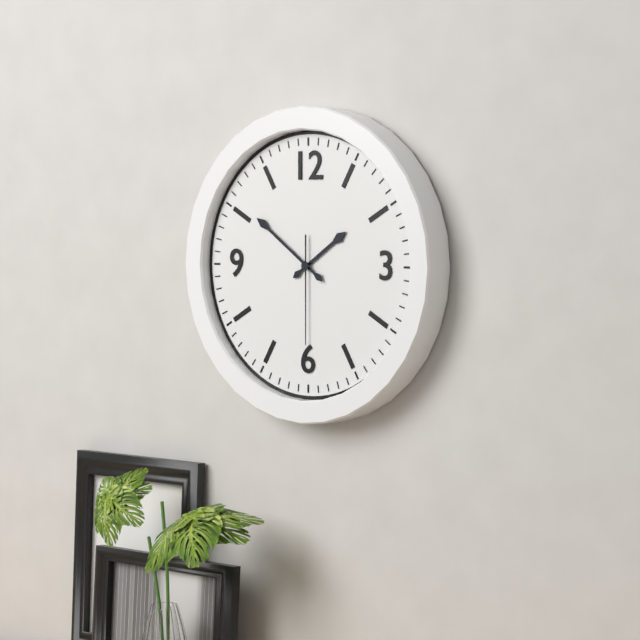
{"hour": 1, "minute": 51, "second": 30}
